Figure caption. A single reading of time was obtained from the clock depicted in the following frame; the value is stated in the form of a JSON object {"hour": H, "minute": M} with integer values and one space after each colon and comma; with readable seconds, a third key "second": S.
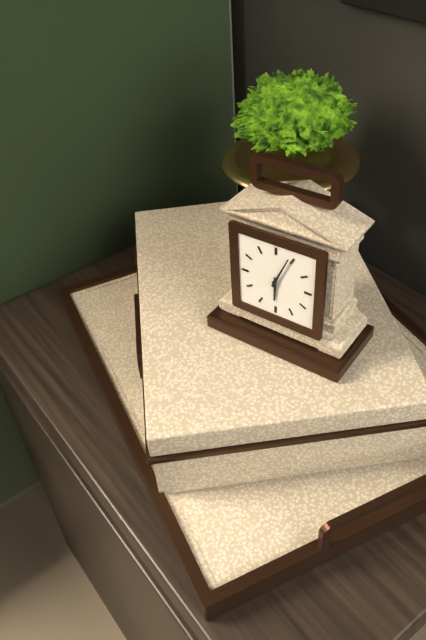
{"hour": 6, "minute": 4}
